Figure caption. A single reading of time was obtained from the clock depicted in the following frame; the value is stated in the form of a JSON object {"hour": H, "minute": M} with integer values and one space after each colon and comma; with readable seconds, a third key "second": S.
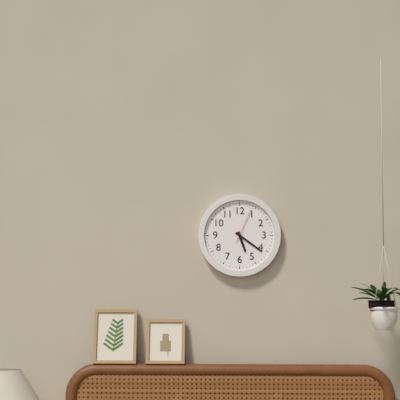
{"hour": 5, "minute": 21}
